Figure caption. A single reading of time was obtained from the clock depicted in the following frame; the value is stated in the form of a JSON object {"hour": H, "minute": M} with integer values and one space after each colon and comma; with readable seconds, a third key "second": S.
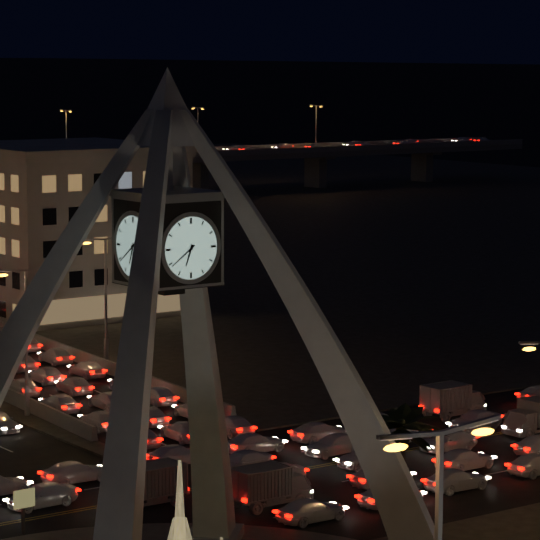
{"hour": 6, "minute": 39}
